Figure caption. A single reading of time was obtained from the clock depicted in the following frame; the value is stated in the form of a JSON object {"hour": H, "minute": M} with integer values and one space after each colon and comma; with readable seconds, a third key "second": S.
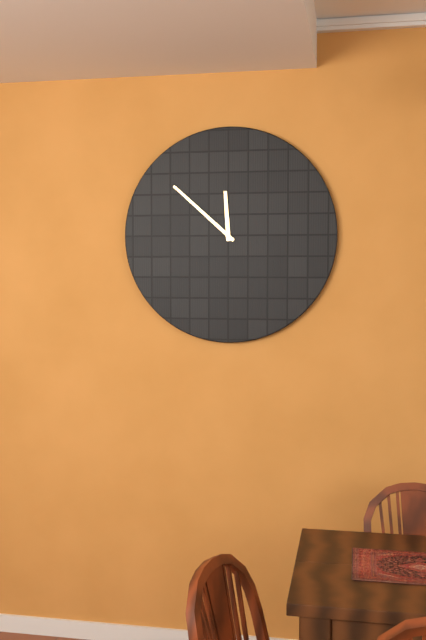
{"hour": 11, "minute": 52}
